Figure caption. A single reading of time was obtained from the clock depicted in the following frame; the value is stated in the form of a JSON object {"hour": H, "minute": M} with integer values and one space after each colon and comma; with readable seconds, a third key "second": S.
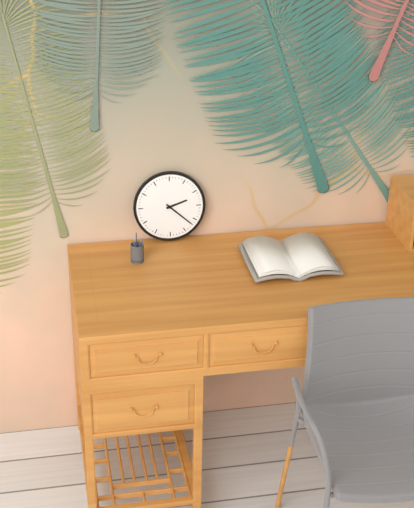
{"hour": 2, "minute": 22}
